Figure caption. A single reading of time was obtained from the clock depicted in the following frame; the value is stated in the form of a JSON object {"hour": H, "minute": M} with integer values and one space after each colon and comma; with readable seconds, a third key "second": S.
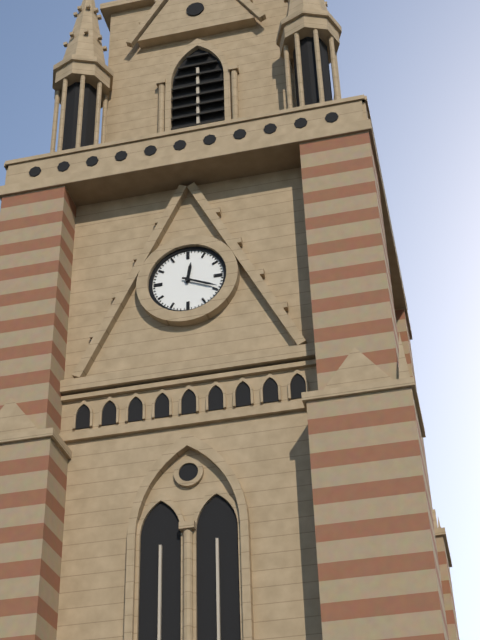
{"hour": 12, "minute": 19}
